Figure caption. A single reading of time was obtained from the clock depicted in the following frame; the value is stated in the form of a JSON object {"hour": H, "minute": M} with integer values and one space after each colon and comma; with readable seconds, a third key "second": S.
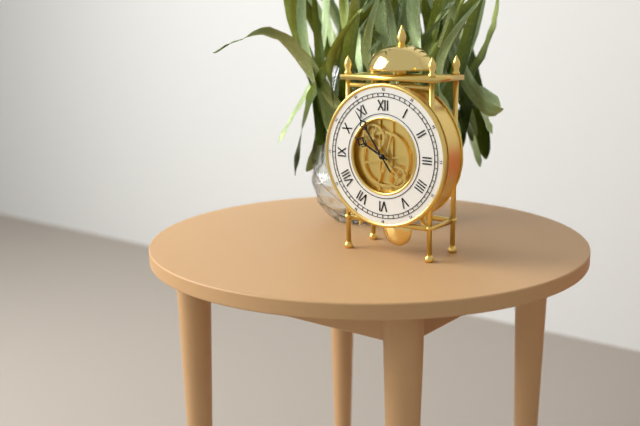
{"hour": 9, "minute": 54}
